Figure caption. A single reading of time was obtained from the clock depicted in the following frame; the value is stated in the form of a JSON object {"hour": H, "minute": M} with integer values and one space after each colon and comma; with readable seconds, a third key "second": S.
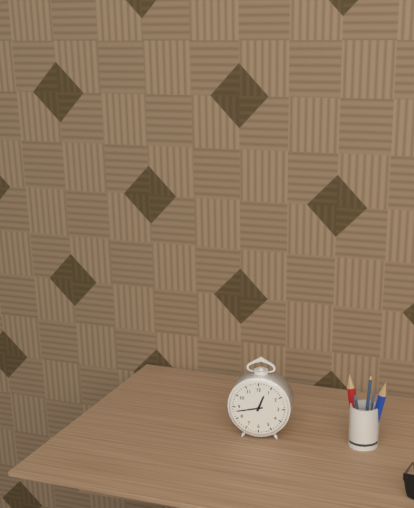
{"hour": 12, "minute": 43}
